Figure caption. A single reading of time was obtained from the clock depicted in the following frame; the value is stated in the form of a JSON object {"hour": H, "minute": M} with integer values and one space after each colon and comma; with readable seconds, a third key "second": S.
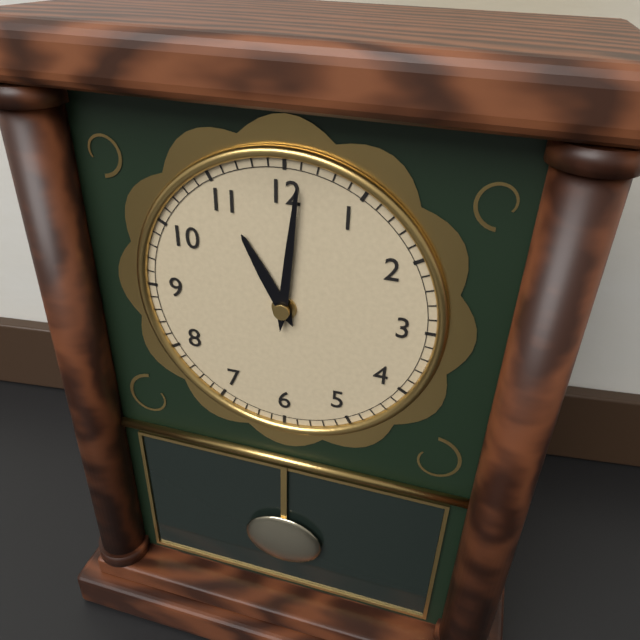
{"hour": 11, "minute": 1}
